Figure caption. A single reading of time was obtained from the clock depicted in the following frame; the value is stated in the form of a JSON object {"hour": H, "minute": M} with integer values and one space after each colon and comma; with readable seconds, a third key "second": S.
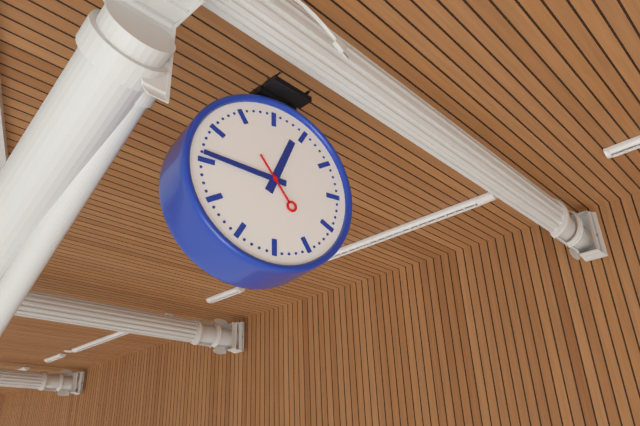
{"hour": 12, "minute": 46}
